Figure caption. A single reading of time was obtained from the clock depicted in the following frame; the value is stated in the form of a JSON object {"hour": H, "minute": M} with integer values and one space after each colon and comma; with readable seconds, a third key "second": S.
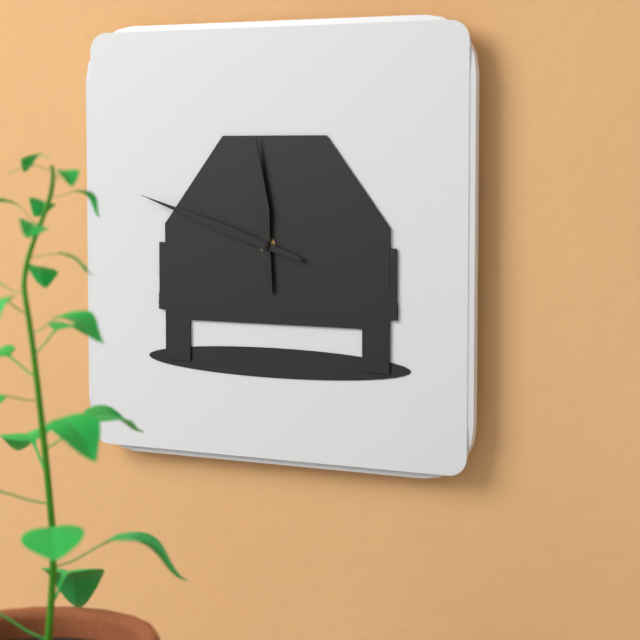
{"hour": 11, "minute": 48}
